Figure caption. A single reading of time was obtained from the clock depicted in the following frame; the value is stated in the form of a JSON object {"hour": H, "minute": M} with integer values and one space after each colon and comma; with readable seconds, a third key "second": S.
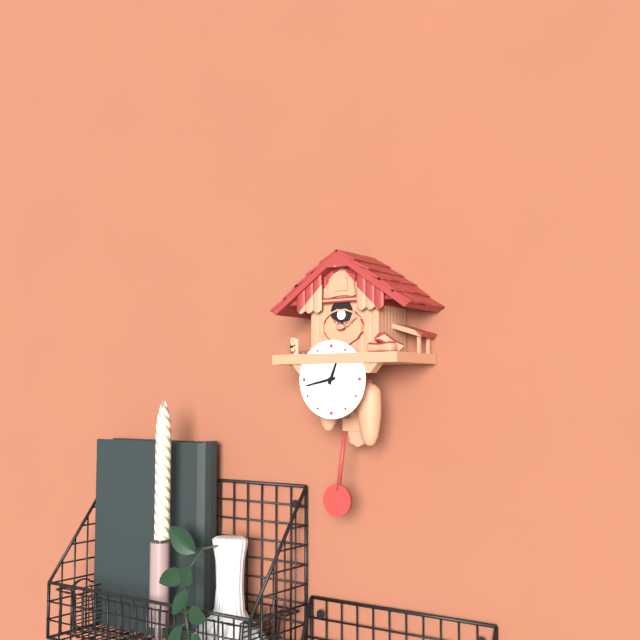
{"hour": 12, "minute": 43}
